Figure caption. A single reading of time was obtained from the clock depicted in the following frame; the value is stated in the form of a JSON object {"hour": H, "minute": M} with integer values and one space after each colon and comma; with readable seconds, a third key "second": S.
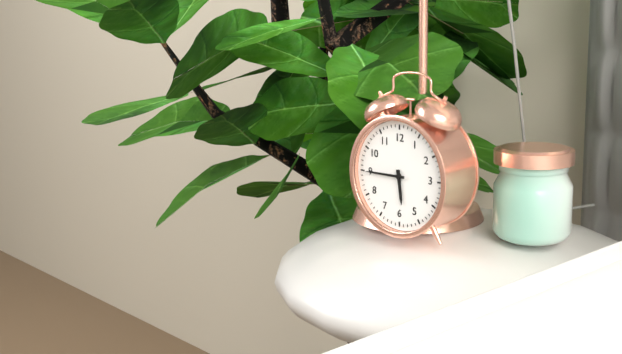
{"hour": 5, "minute": 45}
